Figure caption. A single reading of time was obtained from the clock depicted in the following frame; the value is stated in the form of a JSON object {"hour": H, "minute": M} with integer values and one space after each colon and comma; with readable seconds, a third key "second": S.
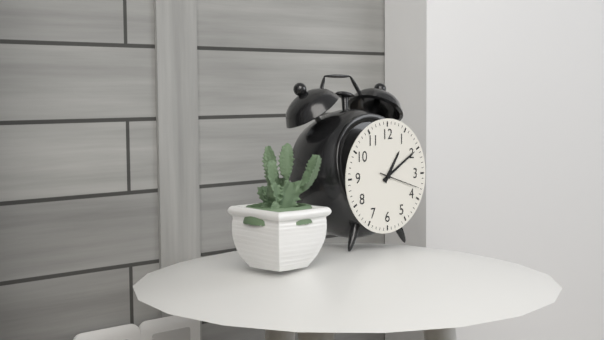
{"hour": 1, "minute": 10}
